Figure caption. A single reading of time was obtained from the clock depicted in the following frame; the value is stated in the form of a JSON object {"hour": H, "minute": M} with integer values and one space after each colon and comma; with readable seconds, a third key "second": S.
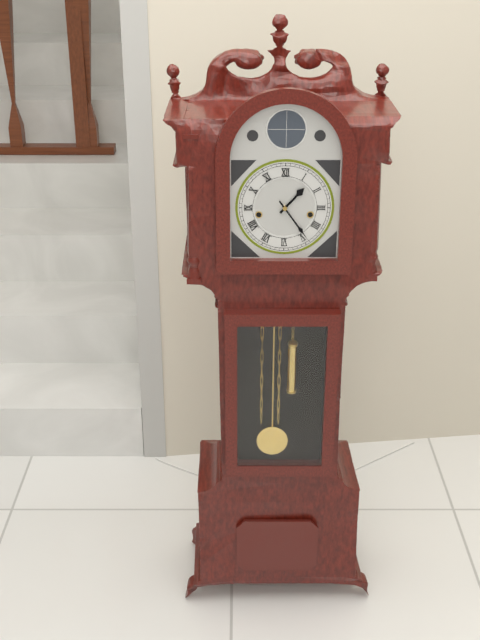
{"hour": 1, "minute": 24}
